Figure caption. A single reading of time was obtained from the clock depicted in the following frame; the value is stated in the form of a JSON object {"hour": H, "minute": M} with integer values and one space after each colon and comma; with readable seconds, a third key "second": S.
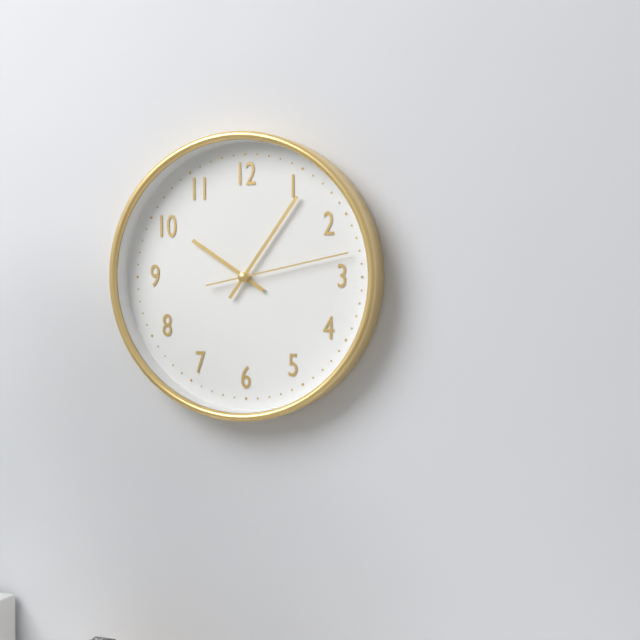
{"hour": 10, "minute": 6, "second": 13}
